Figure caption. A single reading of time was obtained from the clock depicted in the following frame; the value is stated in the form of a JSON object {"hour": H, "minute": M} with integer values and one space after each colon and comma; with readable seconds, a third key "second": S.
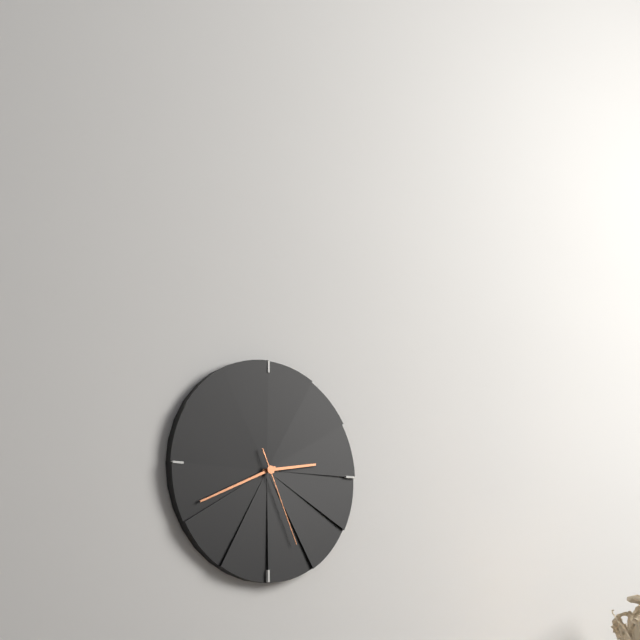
{"hour": 2, "minute": 41, "second": 26}
